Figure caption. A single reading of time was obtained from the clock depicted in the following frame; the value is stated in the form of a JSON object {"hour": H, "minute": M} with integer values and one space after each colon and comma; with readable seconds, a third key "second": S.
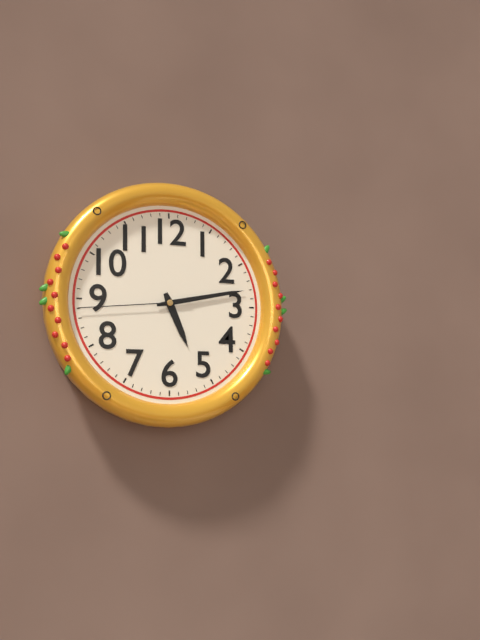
{"hour": 5, "minute": 13, "second": 44}
